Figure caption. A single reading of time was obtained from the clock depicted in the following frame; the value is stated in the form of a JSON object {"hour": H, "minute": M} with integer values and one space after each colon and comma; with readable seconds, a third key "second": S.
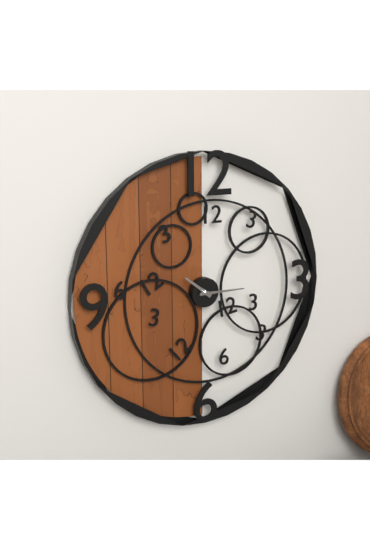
{"hour": 10, "minute": 15}
